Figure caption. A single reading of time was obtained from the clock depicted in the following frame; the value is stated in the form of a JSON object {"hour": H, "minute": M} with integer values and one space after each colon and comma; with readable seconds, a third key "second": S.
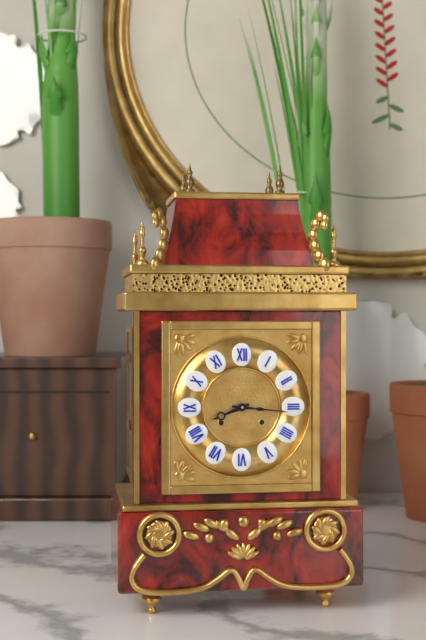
{"hour": 8, "minute": 16}
